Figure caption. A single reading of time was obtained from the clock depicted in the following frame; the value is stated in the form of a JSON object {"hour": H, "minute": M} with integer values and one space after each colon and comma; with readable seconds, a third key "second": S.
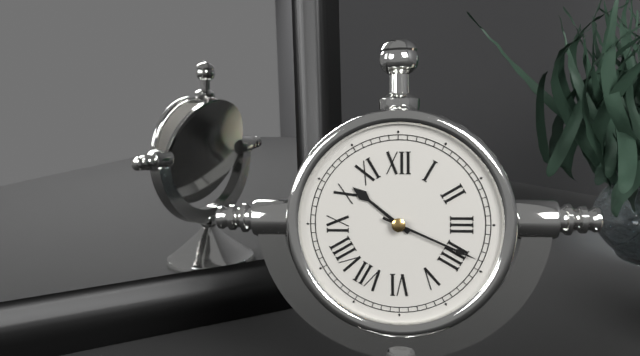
{"hour": 10, "minute": 19}
